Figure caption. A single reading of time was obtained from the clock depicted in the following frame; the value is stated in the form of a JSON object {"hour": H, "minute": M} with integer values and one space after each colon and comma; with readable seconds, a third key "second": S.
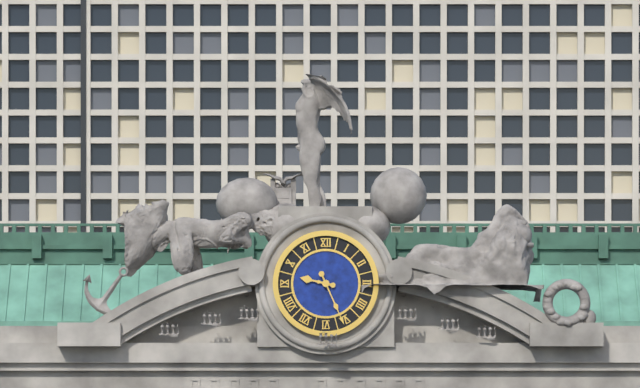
{"hour": 9, "minute": 26}
